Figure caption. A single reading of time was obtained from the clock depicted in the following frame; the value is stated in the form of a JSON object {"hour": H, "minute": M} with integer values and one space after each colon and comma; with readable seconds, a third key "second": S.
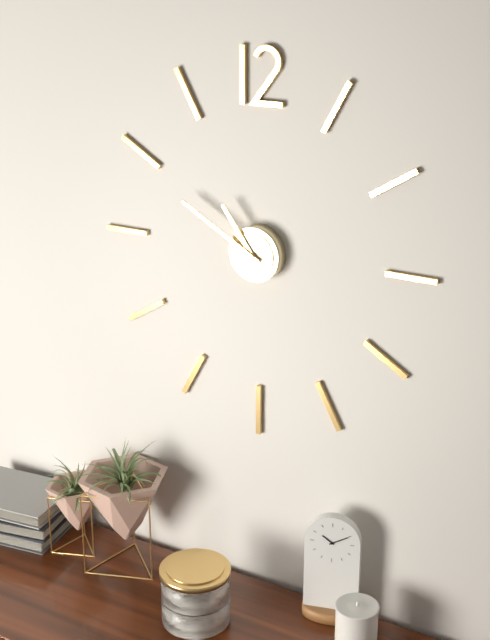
{"hour": 10, "minute": 50}
